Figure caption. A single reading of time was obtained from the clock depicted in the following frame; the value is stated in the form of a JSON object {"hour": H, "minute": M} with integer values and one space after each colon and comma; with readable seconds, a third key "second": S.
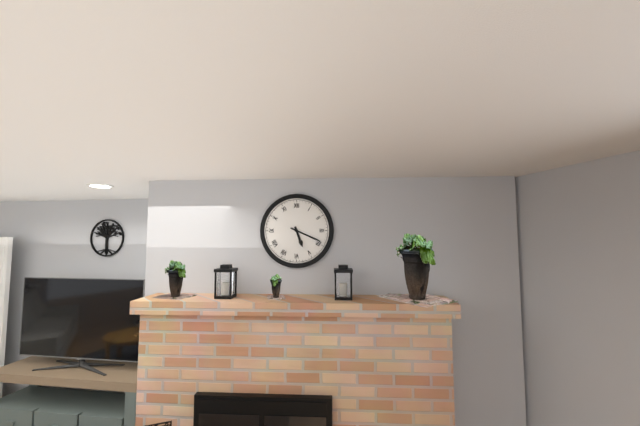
{"hour": 5, "minute": 19}
